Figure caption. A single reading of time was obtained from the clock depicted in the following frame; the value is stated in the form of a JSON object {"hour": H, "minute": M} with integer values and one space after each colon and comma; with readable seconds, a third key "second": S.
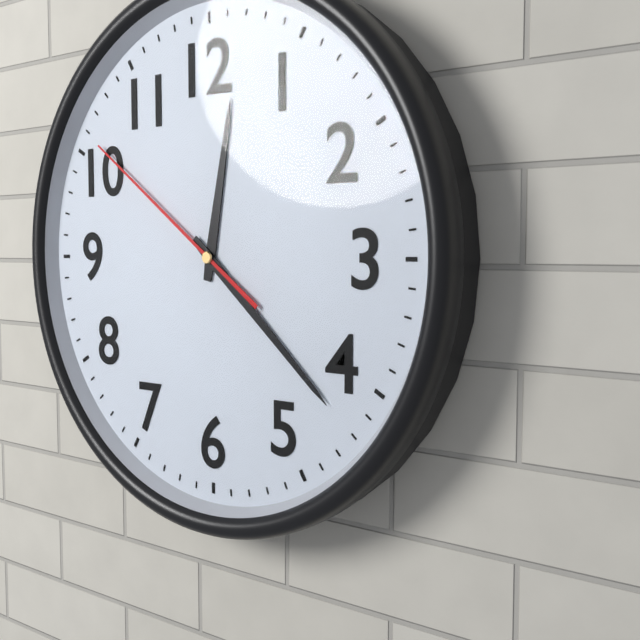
{"hour": 12, "minute": 22, "second": 51}
